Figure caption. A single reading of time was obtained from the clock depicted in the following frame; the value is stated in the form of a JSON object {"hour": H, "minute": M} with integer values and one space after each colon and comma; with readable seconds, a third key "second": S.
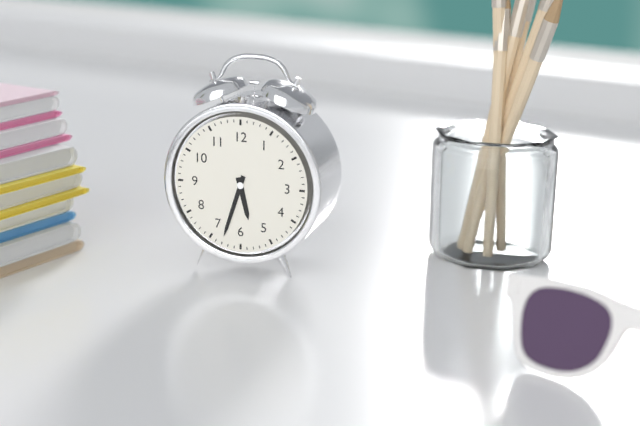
{"hour": 5, "minute": 33}
